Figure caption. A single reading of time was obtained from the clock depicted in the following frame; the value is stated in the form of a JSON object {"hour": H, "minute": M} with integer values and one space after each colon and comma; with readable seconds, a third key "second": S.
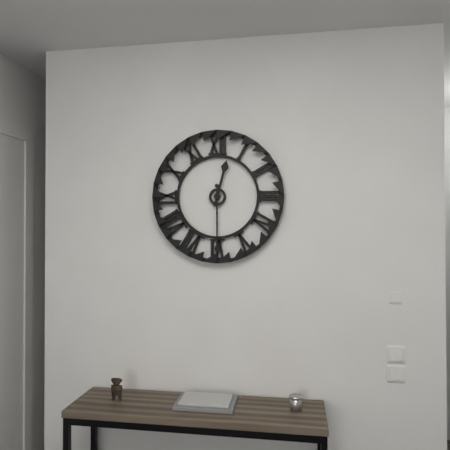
{"hour": 12, "minute": 30}
